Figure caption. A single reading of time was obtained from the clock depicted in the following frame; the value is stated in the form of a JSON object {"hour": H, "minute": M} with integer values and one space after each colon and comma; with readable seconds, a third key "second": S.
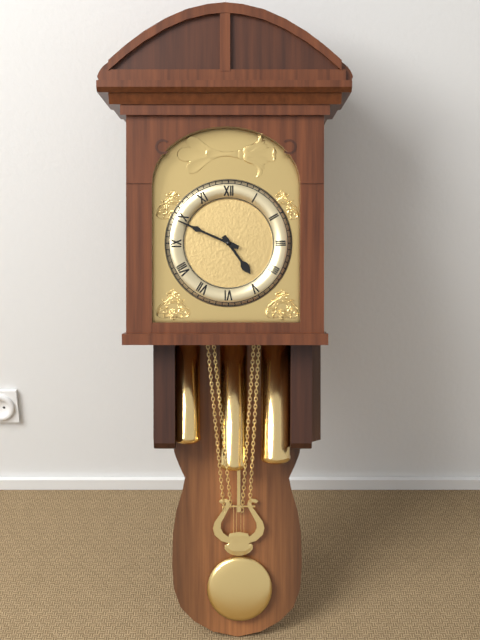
{"hour": 4, "minute": 49}
